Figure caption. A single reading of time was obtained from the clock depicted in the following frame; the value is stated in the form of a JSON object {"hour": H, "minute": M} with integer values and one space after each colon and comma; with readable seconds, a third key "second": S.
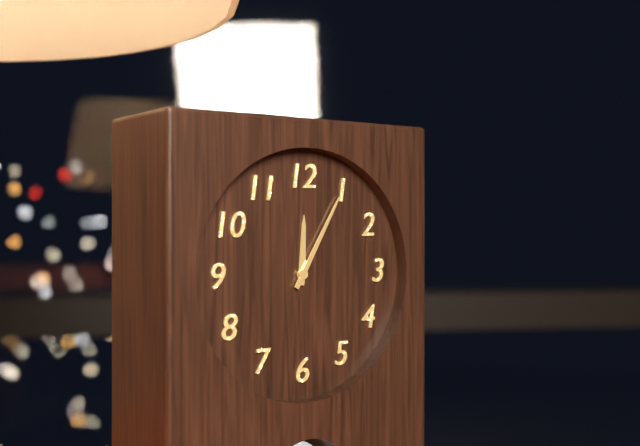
{"hour": 12, "minute": 5}
